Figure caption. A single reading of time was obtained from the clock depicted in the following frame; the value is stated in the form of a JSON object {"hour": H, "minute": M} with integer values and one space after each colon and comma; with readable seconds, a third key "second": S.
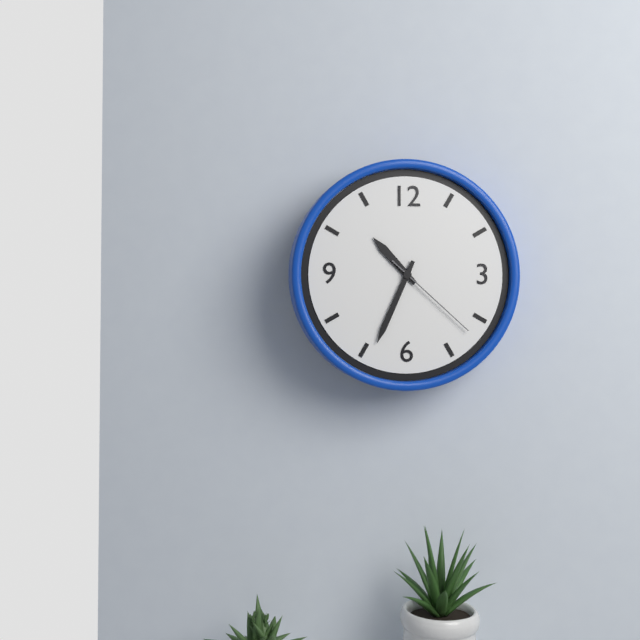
{"hour": 10, "minute": 34, "second": 22}
